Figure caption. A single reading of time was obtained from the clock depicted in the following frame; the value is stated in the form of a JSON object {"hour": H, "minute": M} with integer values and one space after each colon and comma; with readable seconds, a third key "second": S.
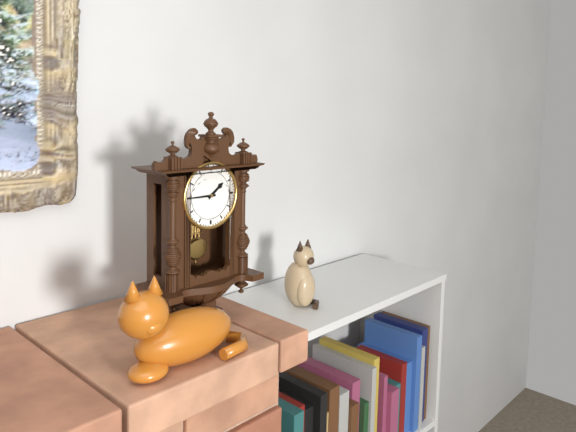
{"hour": 1, "minute": 45}
